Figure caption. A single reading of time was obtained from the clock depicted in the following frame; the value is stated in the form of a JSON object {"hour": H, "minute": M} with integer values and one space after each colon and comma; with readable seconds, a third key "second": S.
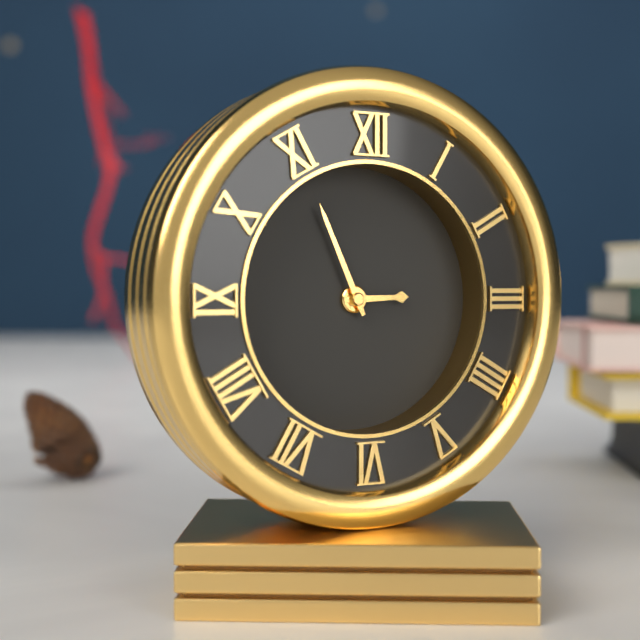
{"hour": 2, "minute": 56}
